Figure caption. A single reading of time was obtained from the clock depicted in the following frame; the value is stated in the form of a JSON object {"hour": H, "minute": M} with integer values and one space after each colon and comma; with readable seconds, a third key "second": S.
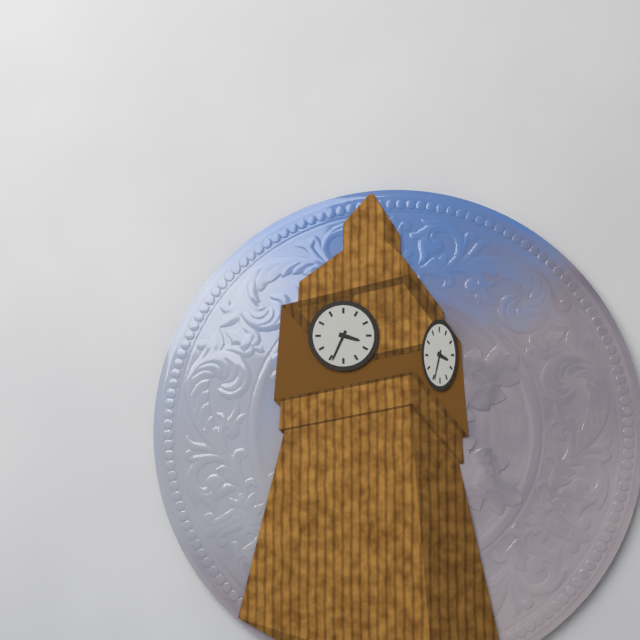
{"hour": 3, "minute": 34}
